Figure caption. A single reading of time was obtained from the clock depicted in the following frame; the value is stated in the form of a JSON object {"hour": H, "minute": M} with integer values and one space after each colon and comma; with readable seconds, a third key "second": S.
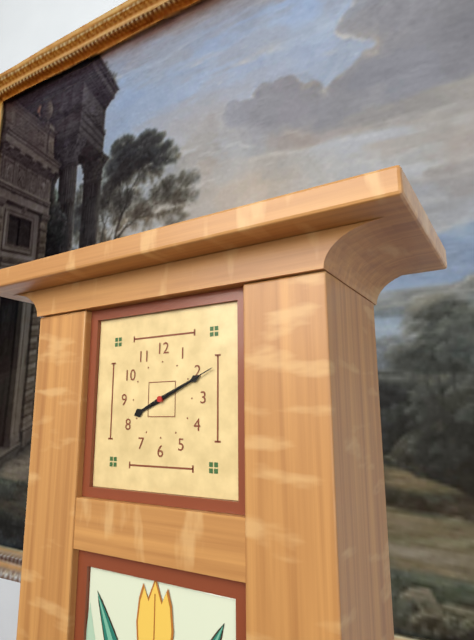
{"hour": 8, "minute": 11, "second": 11}
